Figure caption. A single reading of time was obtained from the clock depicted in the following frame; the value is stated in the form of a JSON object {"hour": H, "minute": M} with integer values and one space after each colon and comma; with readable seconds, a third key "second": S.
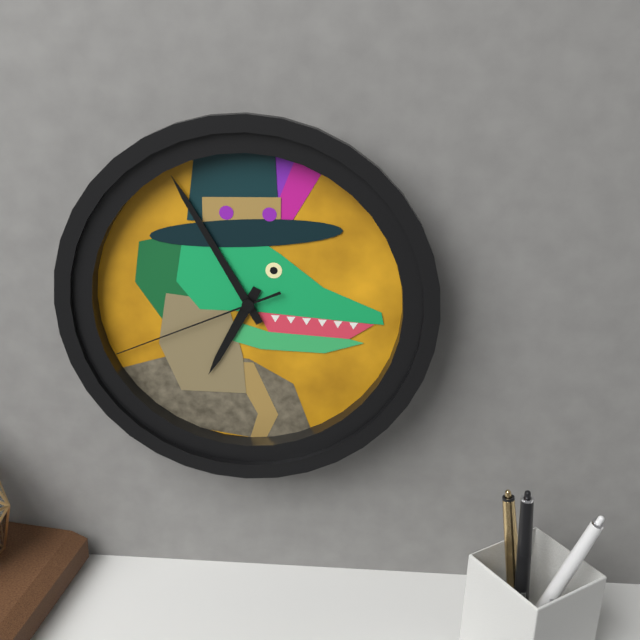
{"hour": 6, "minute": 55, "second": 41}
